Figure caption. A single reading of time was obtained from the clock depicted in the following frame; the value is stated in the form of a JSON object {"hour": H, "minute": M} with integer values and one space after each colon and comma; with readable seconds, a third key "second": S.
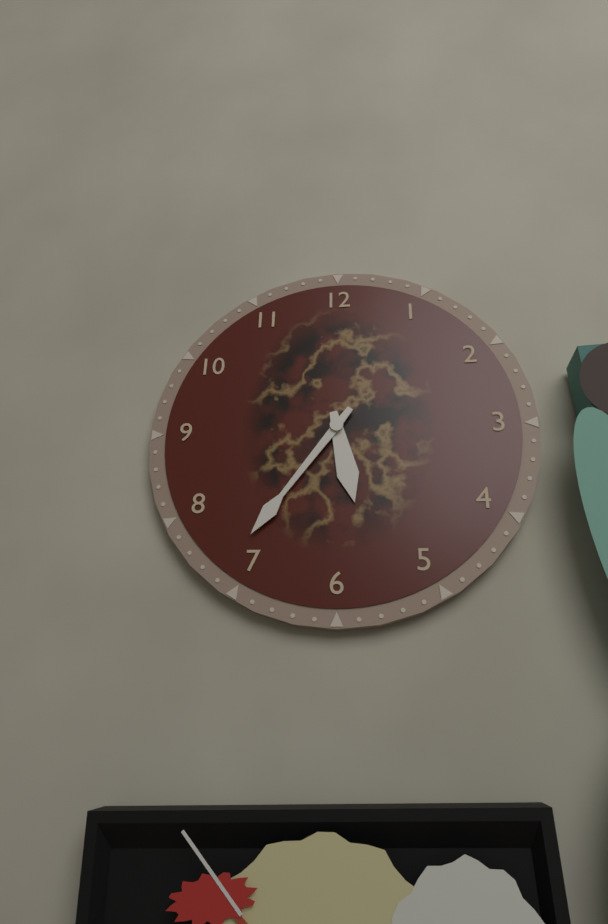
{"hour": 5, "minute": 36}
